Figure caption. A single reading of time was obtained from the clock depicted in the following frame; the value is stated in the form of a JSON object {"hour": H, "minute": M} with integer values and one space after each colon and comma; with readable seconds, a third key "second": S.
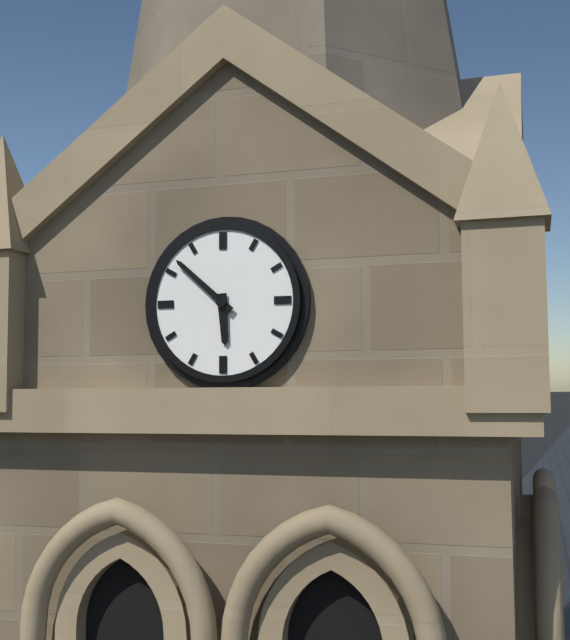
{"hour": 5, "minute": 52}
